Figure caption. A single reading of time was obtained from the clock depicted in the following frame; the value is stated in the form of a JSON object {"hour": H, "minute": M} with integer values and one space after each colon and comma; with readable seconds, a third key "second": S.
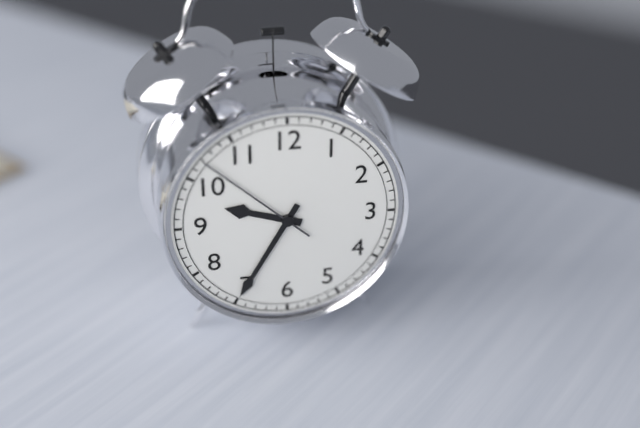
{"hour": 9, "minute": 35, "second": 52}
